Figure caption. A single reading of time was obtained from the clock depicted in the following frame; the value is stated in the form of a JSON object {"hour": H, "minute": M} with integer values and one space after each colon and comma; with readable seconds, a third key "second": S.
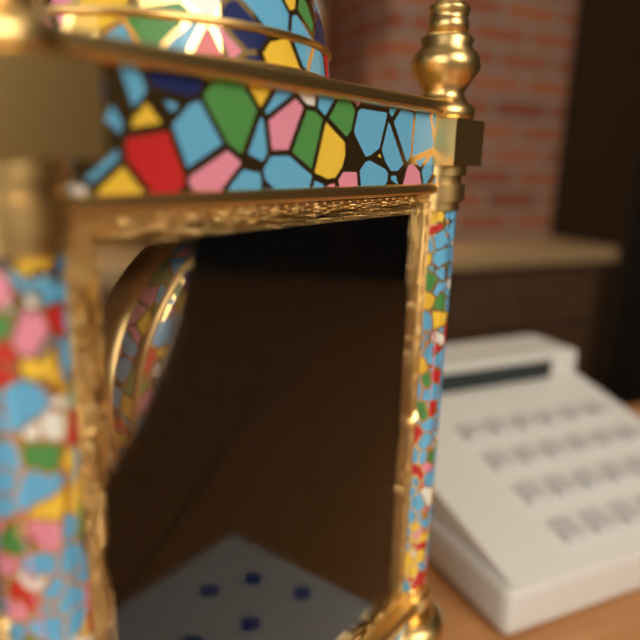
{"hour": 4, "minute": 2}
